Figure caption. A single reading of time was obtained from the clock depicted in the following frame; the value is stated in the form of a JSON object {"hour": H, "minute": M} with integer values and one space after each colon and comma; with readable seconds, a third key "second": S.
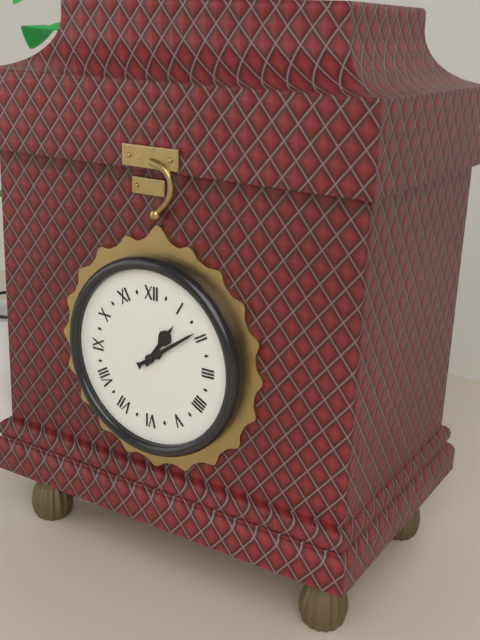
{"hour": 1, "minute": 9}
